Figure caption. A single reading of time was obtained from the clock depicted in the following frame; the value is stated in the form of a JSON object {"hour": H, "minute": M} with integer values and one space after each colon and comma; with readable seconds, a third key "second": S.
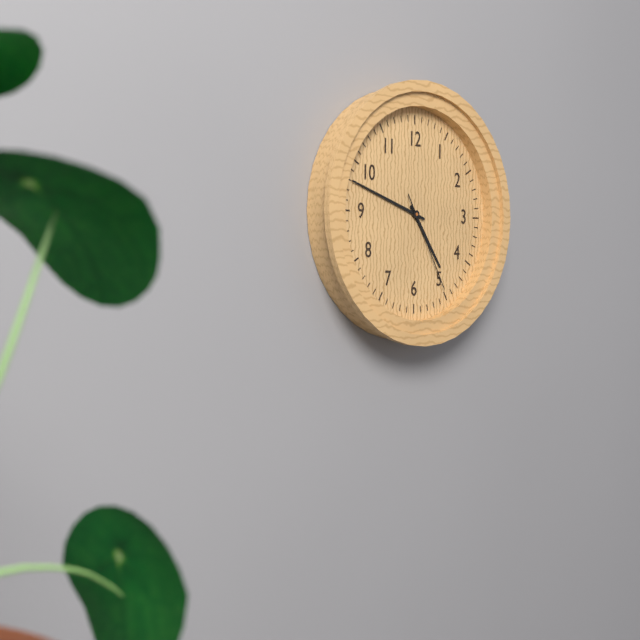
{"hour": 4, "minute": 48, "second": 25}
